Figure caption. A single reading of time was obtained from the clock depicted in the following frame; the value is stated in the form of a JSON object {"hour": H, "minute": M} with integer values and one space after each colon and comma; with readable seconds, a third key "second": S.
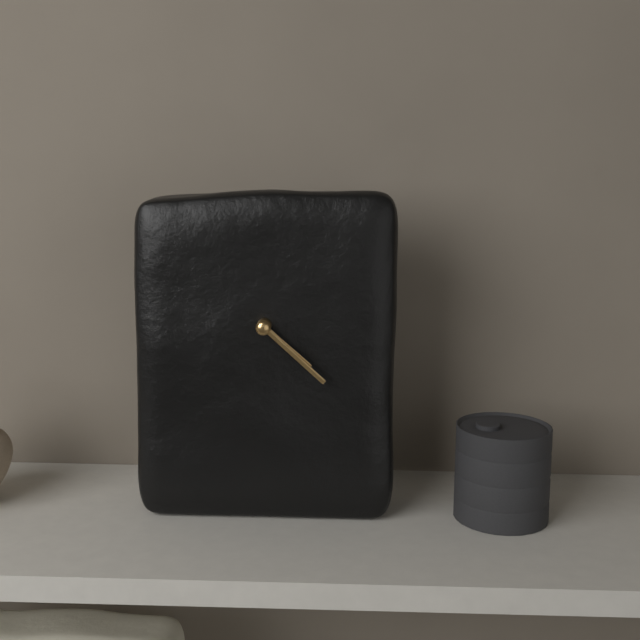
{"hour": 4, "minute": 22}
